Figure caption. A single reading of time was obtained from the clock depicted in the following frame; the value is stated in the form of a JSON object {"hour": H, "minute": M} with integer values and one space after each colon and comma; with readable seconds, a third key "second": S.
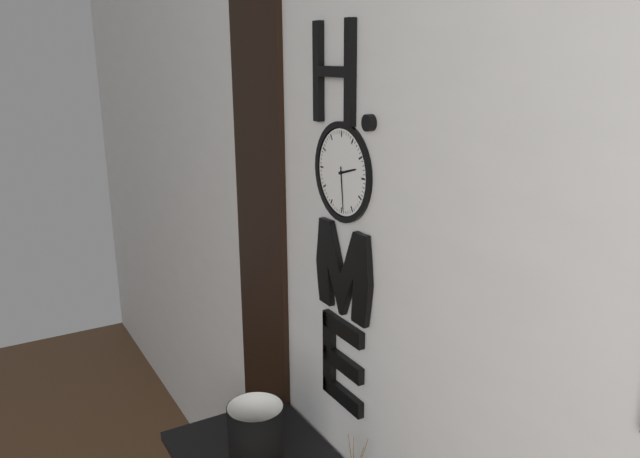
{"hour": 2, "minute": 29}
